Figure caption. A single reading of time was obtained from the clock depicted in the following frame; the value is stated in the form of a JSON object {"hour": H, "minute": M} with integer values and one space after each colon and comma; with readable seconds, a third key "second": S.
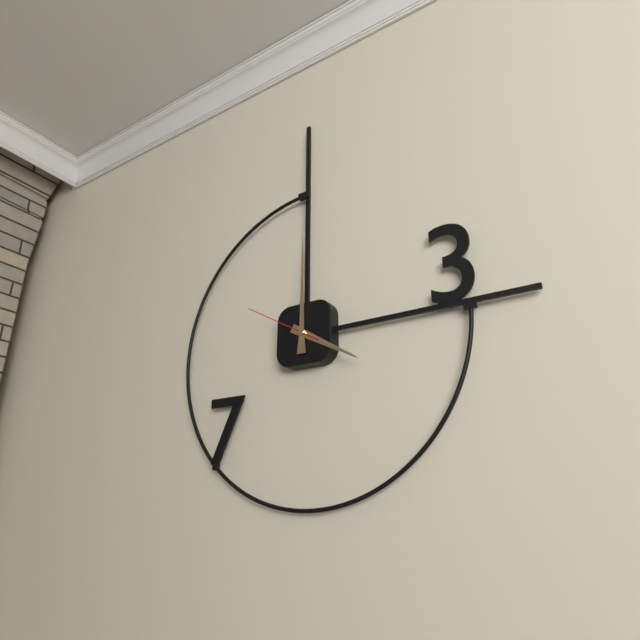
{"hour": 4, "minute": 0, "second": 50}
